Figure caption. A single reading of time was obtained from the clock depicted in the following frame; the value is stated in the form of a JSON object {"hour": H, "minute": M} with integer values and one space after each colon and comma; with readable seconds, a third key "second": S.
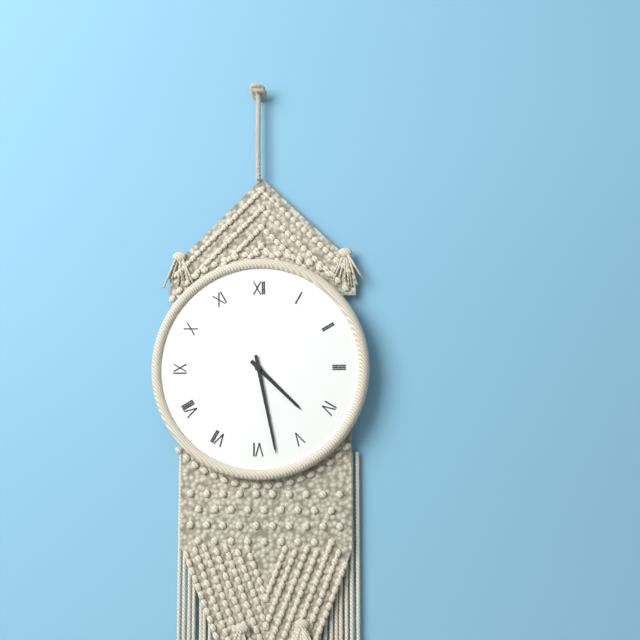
{"hour": 4, "minute": 28}
